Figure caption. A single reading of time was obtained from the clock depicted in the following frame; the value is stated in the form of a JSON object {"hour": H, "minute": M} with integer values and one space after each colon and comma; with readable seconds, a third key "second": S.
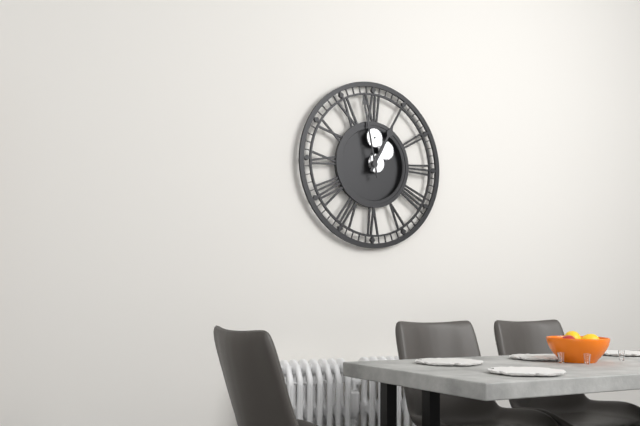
{"hour": 12, "minute": 58}
